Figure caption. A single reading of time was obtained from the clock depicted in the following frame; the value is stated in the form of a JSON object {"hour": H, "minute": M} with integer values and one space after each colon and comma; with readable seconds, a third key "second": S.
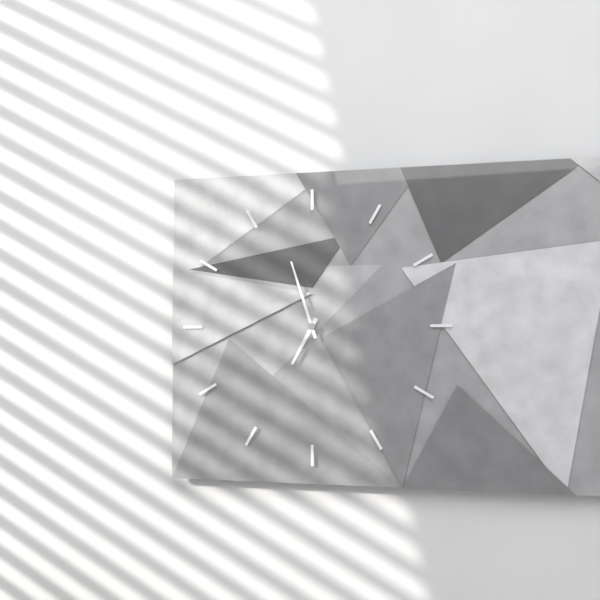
{"hour": 6, "minute": 57}
